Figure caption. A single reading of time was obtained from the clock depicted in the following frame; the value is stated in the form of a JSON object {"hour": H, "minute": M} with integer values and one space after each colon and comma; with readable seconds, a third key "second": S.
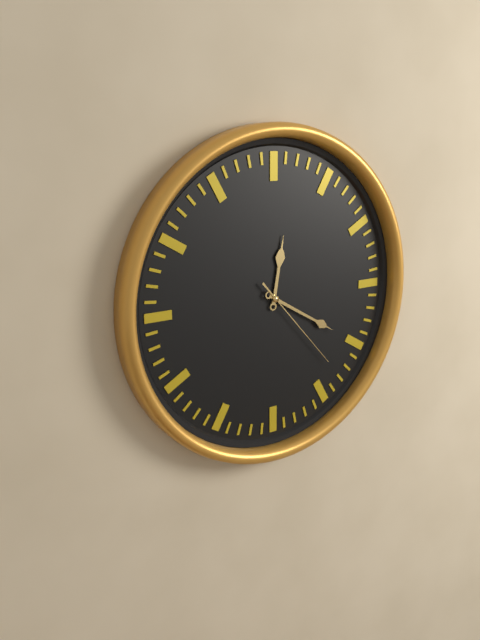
{"hour": 12, "minute": 20, "second": 23}
